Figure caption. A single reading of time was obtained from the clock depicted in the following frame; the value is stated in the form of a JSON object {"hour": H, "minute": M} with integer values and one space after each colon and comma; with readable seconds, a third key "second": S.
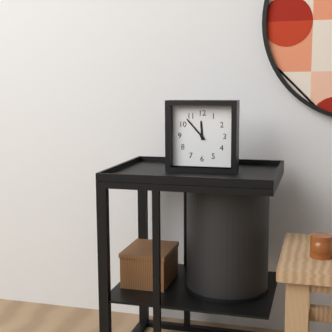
{"hour": 11, "minute": 53}
